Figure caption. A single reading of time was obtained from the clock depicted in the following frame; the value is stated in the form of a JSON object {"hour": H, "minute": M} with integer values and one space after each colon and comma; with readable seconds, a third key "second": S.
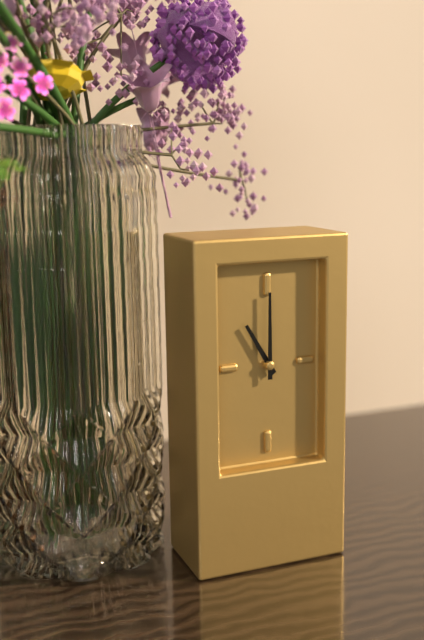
{"hour": 11, "minute": 0}
